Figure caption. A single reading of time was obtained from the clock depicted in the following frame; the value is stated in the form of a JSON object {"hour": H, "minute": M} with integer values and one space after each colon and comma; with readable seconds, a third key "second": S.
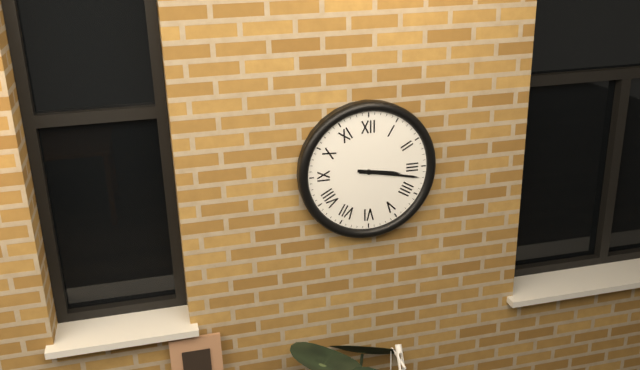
{"hour": 3, "minute": 17}
